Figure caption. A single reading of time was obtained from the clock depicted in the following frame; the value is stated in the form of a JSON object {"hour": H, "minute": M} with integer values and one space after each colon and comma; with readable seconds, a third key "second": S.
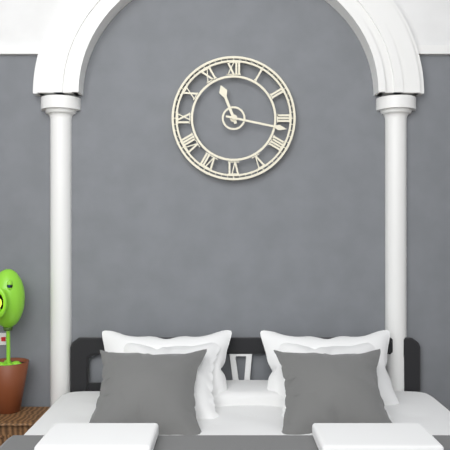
{"hour": 11, "minute": 17}
